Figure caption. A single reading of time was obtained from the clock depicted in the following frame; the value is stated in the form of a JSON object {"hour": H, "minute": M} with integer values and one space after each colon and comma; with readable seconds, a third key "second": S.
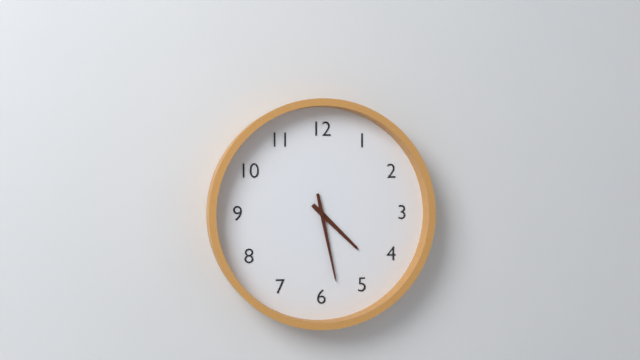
{"hour": 4, "minute": 28}
